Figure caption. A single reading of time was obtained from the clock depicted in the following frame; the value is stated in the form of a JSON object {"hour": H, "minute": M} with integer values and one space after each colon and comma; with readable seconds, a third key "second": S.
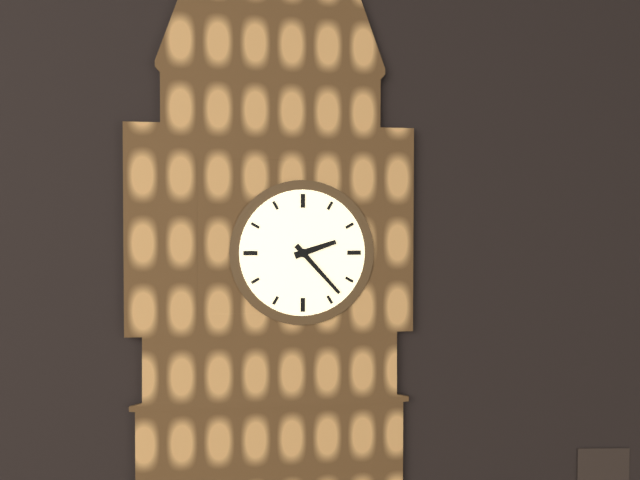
{"hour": 2, "minute": 23}
